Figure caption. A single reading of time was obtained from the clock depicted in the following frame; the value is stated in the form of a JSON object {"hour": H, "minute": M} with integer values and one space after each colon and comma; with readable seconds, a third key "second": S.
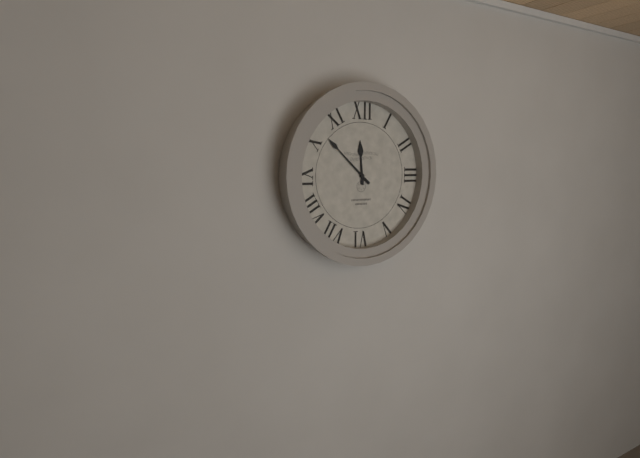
{"hour": 11, "minute": 52}
